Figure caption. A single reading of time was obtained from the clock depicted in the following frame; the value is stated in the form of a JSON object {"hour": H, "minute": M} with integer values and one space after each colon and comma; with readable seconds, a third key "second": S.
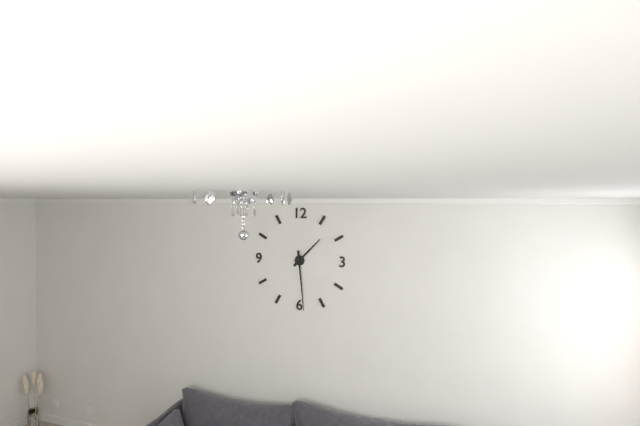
{"hour": 1, "minute": 29}
